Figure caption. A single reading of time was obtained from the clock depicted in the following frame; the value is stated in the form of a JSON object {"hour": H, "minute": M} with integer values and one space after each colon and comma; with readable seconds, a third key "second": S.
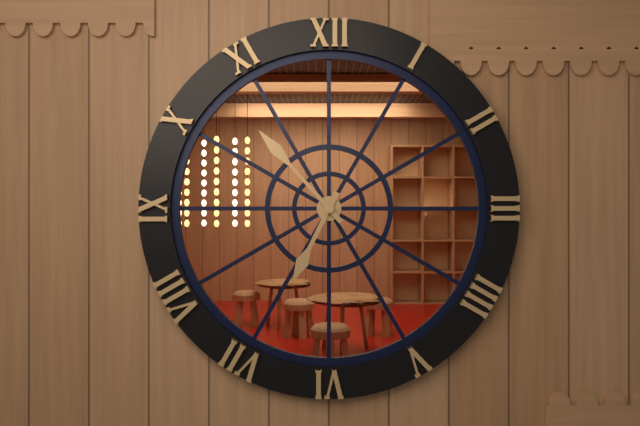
{"hour": 6, "minute": 53}
